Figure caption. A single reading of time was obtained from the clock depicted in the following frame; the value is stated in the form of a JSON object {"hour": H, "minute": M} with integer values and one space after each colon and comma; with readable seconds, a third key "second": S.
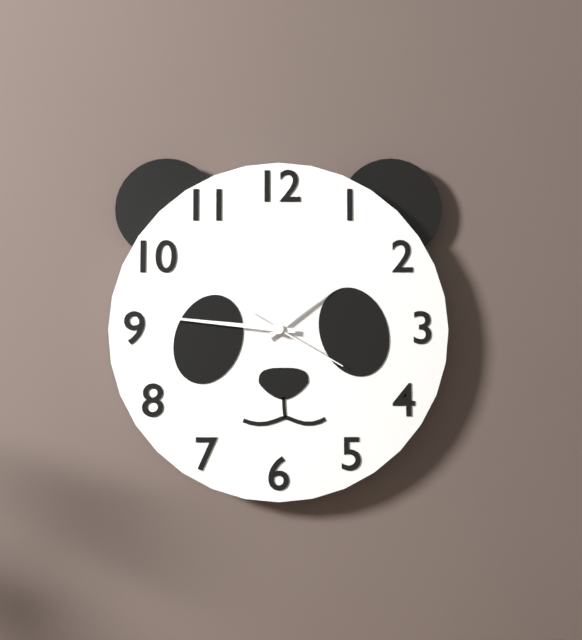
{"hour": 1, "minute": 46, "second": 20}
